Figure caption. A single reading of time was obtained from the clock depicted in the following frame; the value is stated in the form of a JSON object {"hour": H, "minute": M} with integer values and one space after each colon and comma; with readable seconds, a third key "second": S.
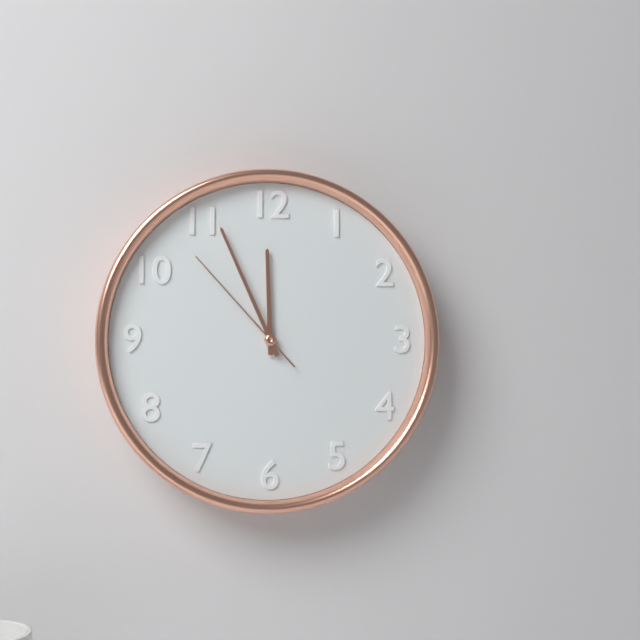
{"hour": 11, "minute": 56, "second": 53}
